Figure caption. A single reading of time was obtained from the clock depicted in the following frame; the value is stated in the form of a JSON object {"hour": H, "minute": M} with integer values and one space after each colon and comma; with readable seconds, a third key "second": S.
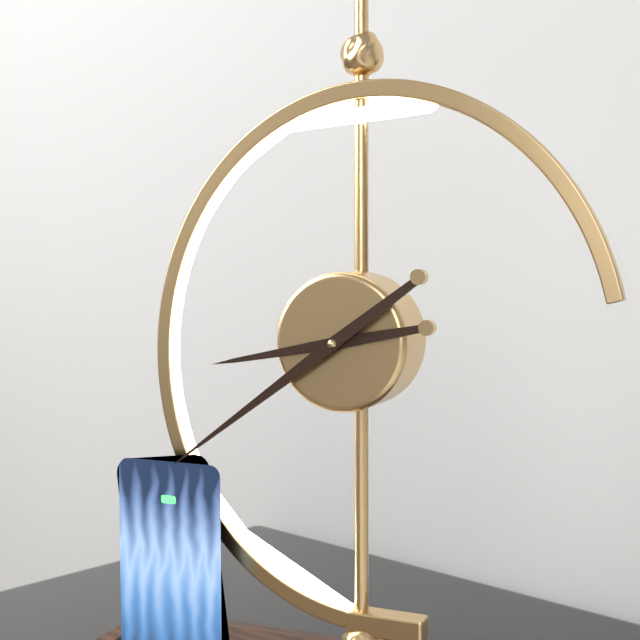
{"hour": 8, "minute": 39}
